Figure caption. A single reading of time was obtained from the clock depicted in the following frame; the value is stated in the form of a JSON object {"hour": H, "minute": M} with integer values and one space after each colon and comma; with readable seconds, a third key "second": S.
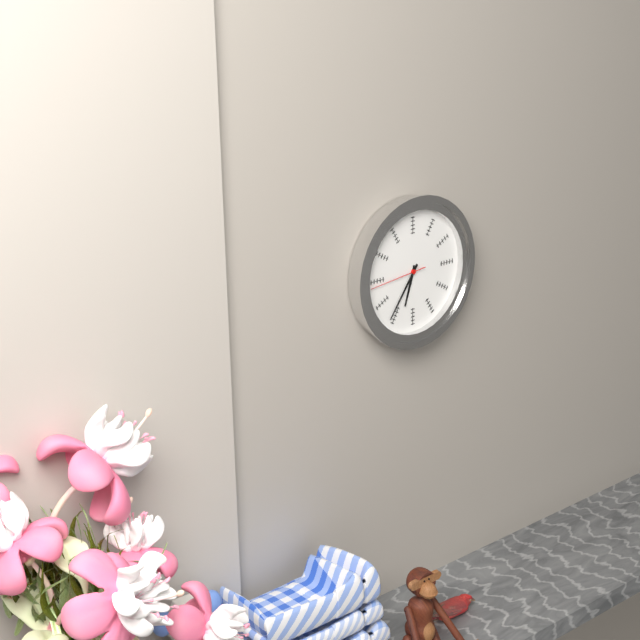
{"hour": 6, "minute": 36, "second": 44}
